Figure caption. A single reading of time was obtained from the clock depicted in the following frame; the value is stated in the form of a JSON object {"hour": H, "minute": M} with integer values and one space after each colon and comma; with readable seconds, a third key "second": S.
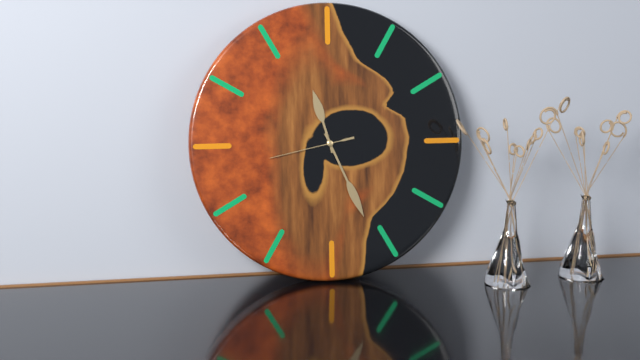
{"hour": 11, "minute": 26, "second": 43}
